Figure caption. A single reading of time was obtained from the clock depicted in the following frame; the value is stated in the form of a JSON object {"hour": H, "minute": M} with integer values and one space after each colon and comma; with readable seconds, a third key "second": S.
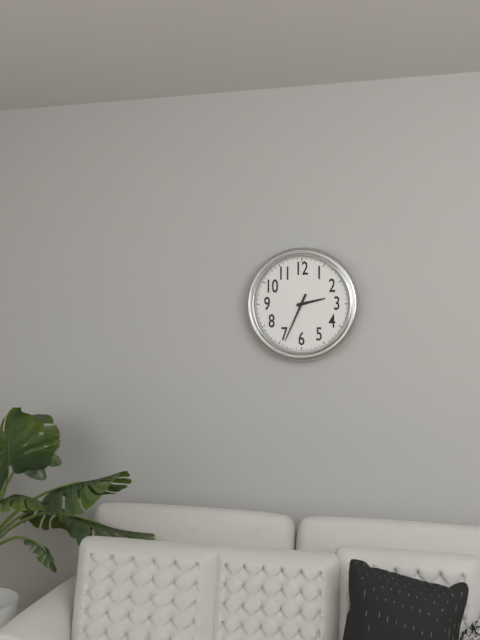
{"hour": 2, "minute": 34}
